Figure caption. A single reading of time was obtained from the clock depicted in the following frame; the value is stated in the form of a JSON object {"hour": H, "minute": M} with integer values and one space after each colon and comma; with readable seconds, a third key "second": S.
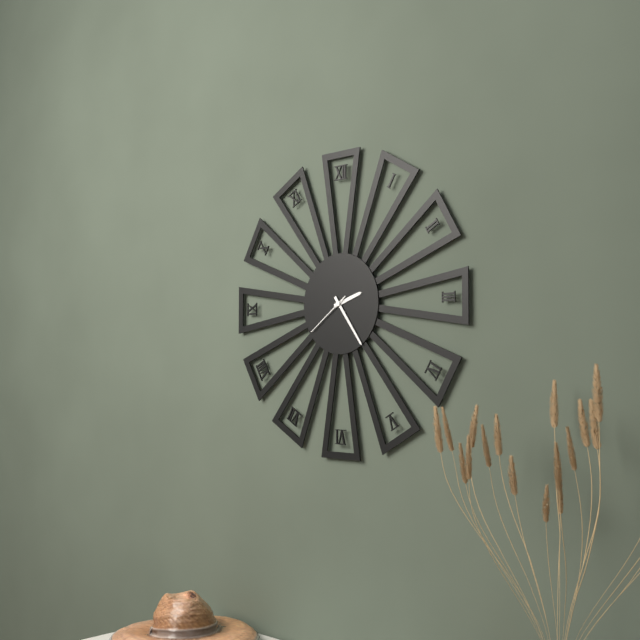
{"hour": 2, "minute": 24}
